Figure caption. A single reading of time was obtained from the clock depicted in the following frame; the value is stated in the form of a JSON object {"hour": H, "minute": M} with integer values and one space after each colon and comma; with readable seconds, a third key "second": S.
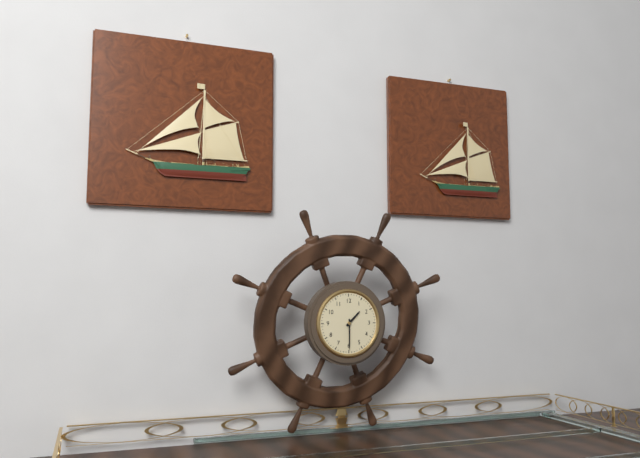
{"hour": 1, "minute": 30}
